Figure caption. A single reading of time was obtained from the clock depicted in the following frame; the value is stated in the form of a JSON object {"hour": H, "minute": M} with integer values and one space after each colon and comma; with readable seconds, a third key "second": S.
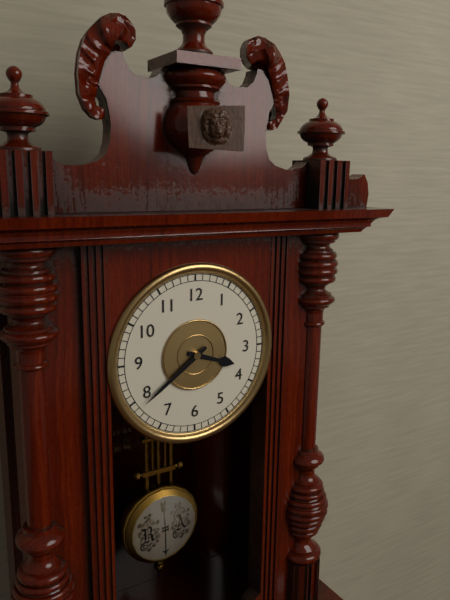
{"hour": 3, "minute": 39}
